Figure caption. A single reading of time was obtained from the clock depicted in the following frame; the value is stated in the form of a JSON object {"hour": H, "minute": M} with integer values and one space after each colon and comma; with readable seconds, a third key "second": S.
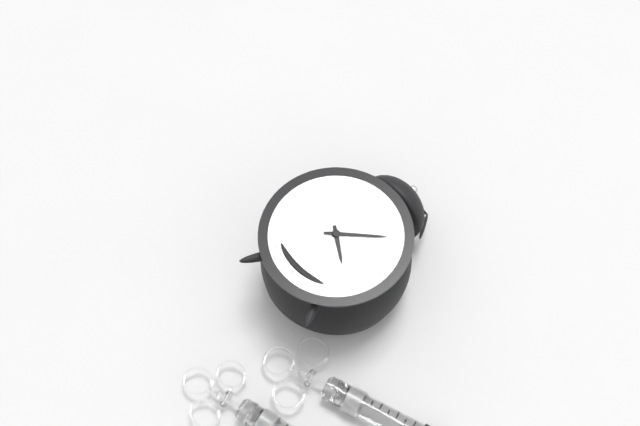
{"hour": 4, "minute": 8}
